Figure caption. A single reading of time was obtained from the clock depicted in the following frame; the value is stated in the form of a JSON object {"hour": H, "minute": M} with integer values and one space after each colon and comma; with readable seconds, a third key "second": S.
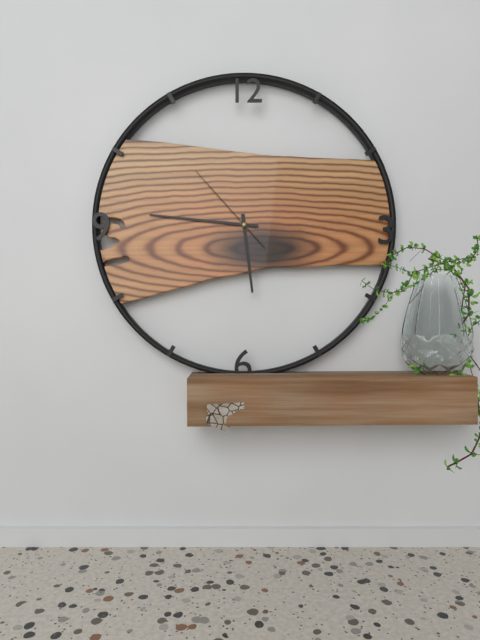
{"hour": 5, "minute": 46, "second": 53}
